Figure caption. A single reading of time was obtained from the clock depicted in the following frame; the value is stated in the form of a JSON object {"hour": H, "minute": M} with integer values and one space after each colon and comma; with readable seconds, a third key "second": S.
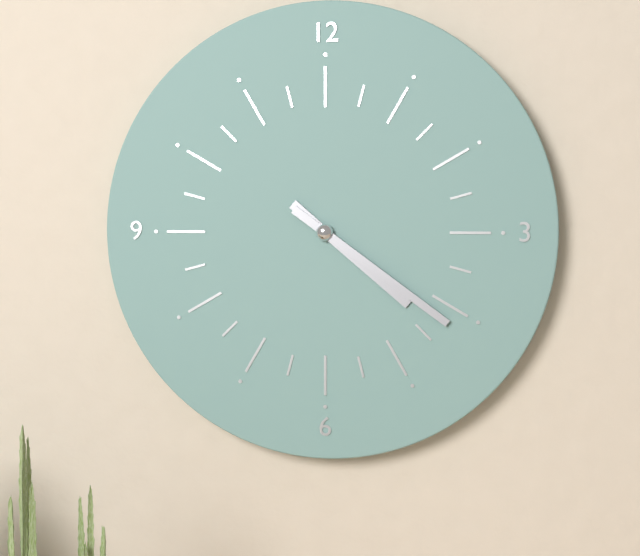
{"hour": 4, "minute": 21}
